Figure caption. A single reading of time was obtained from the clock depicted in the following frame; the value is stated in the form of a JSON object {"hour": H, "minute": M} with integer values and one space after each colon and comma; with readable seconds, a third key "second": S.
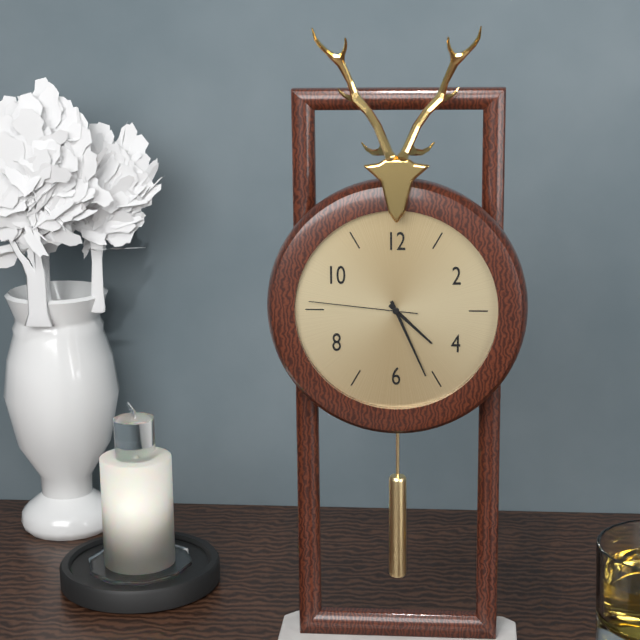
{"hour": 4, "minute": 26, "second": 46}
